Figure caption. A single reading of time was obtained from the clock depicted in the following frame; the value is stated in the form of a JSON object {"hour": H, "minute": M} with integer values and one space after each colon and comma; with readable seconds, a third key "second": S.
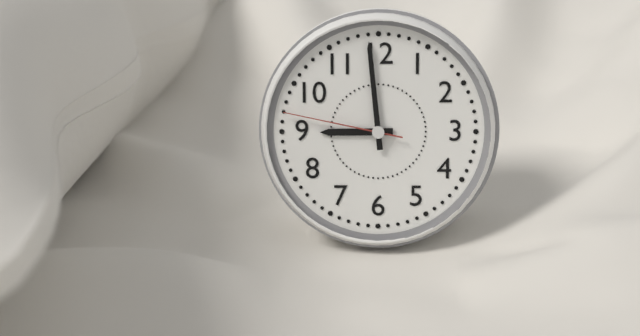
{"hour": 8, "minute": 59, "second": 47}
